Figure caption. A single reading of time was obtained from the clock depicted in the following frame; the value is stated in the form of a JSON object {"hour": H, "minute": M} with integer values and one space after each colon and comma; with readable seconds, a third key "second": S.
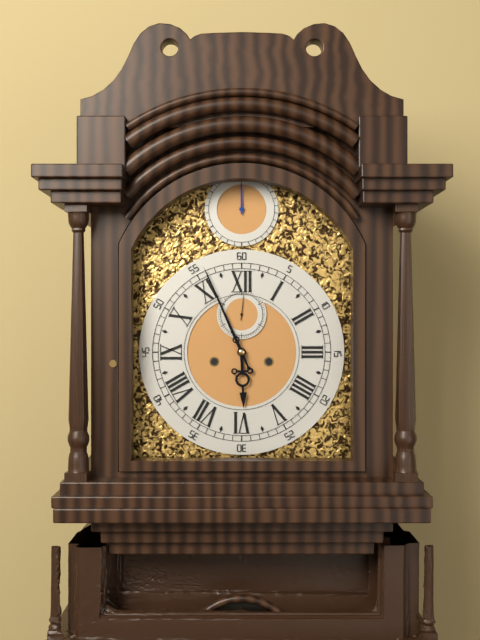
{"hour": 5, "minute": 56}
